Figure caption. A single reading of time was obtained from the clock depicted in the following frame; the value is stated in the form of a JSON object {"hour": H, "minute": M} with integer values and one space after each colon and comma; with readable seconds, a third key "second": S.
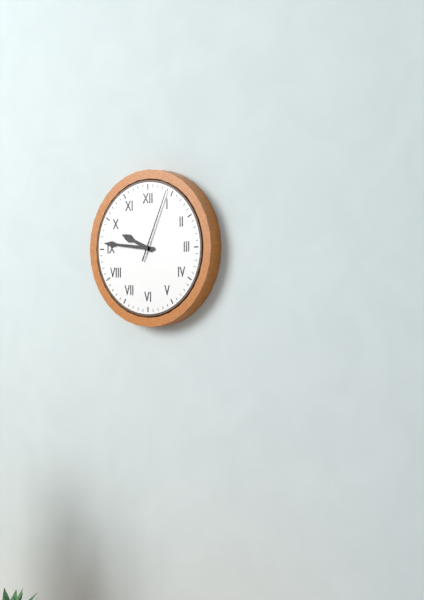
{"hour": 9, "minute": 46, "second": 4}
